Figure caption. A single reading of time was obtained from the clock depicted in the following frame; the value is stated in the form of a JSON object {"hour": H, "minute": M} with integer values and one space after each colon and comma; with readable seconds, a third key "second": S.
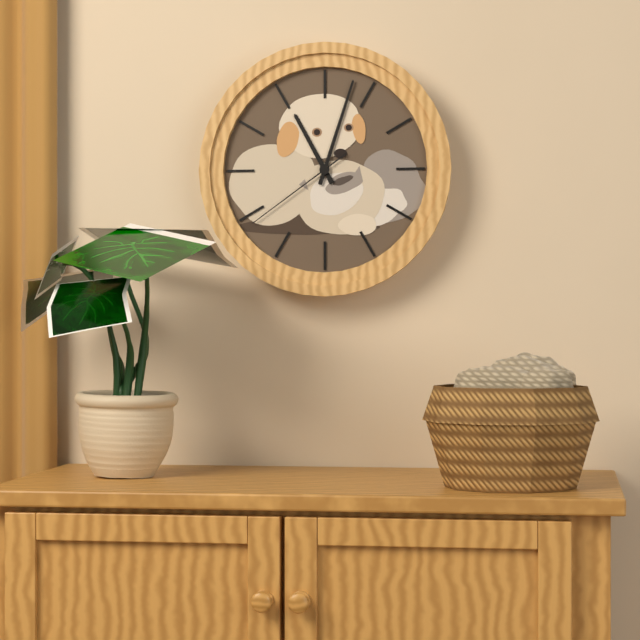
{"hour": 11, "minute": 3, "second": 39}
